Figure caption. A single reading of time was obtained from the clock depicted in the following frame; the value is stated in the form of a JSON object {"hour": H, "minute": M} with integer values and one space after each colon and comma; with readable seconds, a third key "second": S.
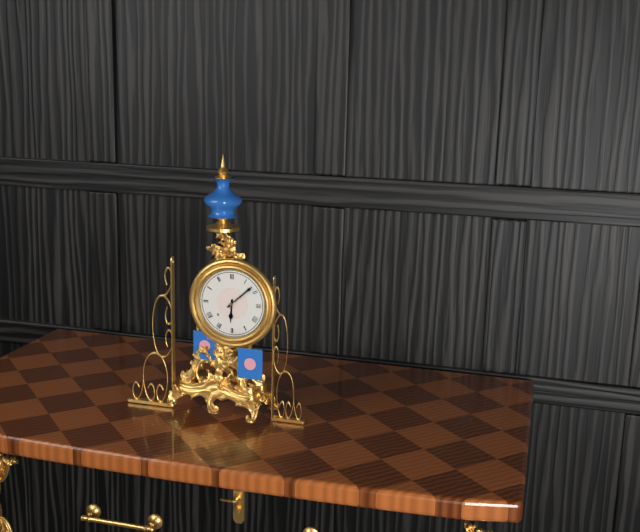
{"hour": 6, "minute": 8}
